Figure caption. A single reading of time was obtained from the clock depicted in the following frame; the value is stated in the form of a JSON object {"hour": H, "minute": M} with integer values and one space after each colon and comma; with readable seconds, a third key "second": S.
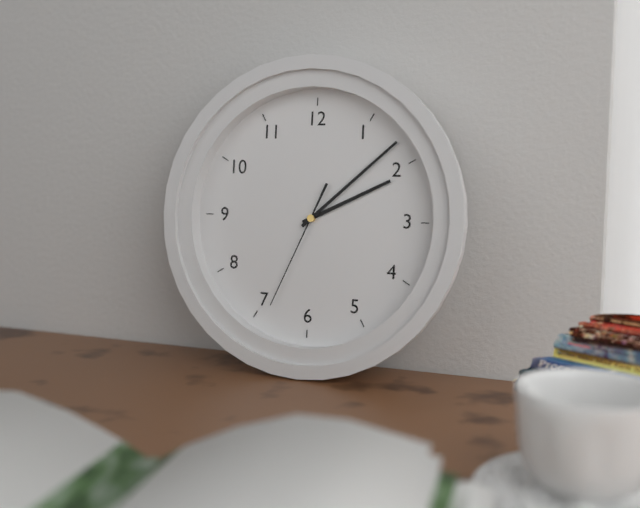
{"hour": 2, "minute": 8, "second": 34}
